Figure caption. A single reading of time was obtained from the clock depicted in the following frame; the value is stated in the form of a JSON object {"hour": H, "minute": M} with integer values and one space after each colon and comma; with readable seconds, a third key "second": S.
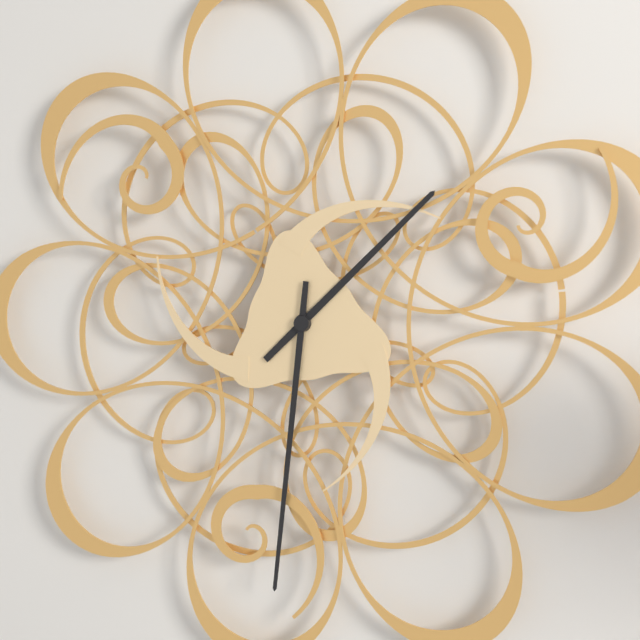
{"hour": 1, "minute": 31}
